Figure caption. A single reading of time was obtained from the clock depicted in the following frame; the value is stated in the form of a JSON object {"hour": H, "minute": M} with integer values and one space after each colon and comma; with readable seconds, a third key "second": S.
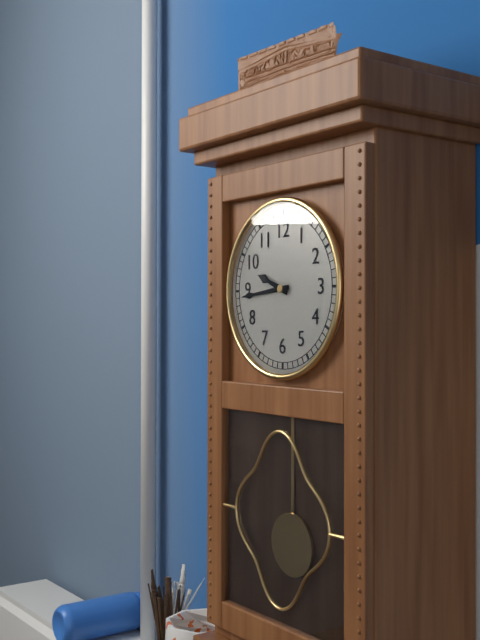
{"hour": 9, "minute": 44}
